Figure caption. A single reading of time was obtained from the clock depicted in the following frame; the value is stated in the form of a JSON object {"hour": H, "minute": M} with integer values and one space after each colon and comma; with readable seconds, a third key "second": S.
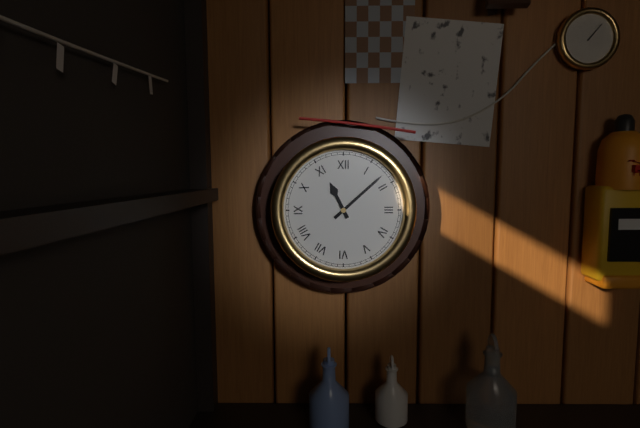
{"hour": 11, "minute": 8}
